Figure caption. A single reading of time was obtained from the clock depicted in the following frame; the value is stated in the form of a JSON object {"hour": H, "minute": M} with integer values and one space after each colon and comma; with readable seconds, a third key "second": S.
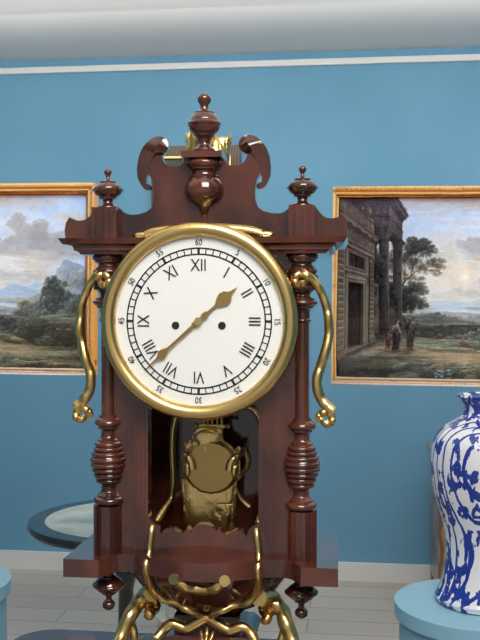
{"hour": 1, "minute": 38}
